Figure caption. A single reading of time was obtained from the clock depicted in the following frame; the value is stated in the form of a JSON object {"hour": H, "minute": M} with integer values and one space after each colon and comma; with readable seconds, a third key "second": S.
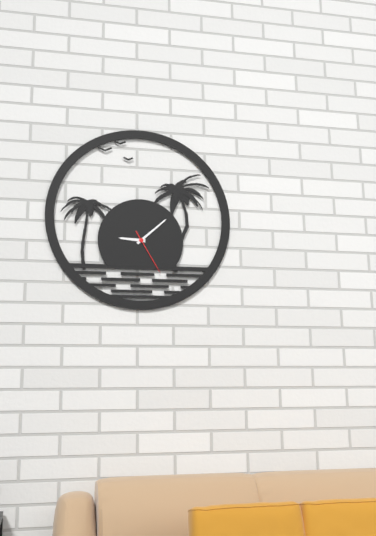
{"hour": 9, "minute": 8}
